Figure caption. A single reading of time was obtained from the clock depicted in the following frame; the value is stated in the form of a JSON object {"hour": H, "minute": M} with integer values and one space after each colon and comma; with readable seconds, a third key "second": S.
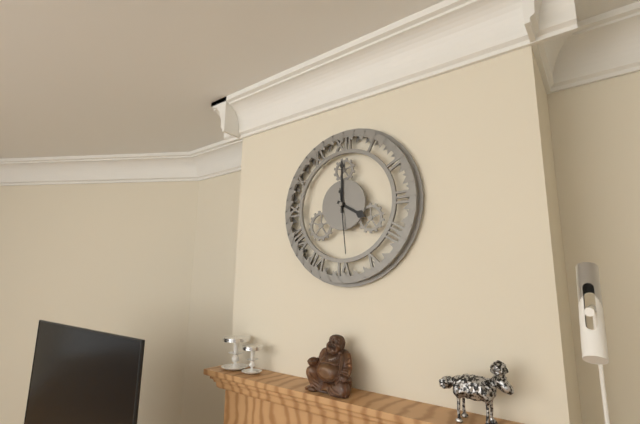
{"hour": 4, "minute": 0, "second": 29}
